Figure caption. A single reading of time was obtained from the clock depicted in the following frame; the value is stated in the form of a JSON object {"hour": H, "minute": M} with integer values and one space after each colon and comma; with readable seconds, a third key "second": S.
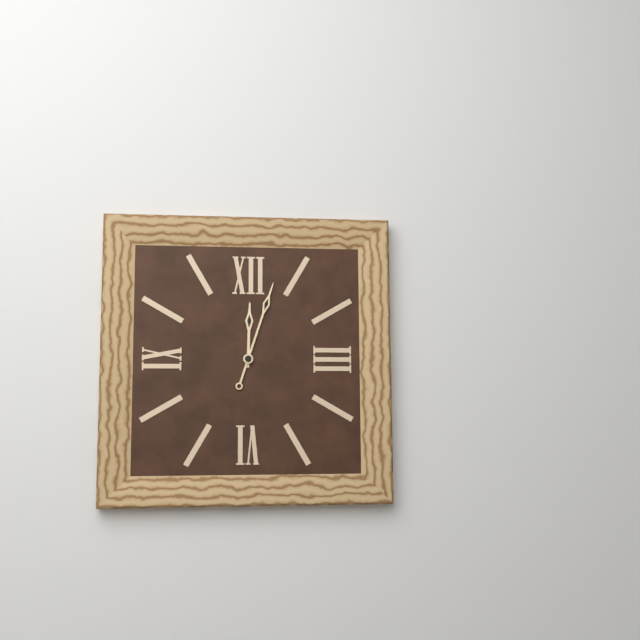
{"hour": 12, "minute": 3}
